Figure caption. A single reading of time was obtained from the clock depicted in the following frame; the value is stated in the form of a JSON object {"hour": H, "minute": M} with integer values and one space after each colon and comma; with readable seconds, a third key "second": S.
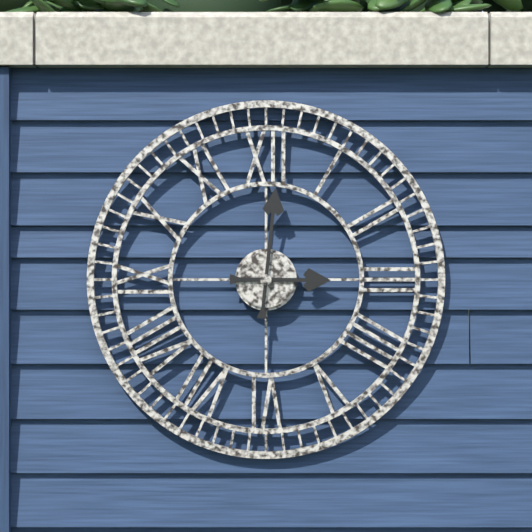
{"hour": 3, "minute": 1}
